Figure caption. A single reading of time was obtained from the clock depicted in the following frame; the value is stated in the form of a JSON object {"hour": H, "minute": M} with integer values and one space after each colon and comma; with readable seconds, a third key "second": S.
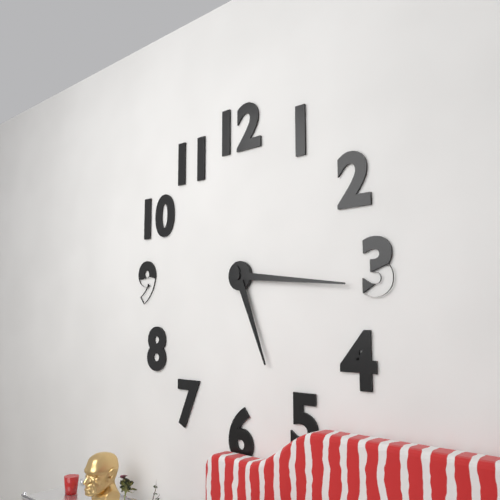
{"hour": 5, "minute": 16}
